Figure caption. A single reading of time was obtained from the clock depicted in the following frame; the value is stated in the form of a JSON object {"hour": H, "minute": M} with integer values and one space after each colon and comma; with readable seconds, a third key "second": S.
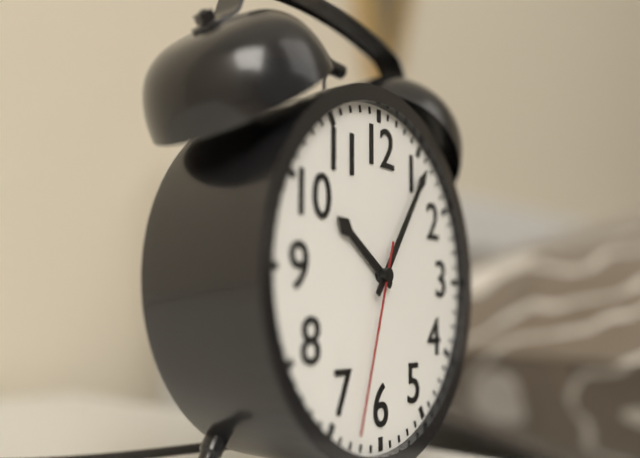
{"hour": 10, "minute": 6, "second": 33}
